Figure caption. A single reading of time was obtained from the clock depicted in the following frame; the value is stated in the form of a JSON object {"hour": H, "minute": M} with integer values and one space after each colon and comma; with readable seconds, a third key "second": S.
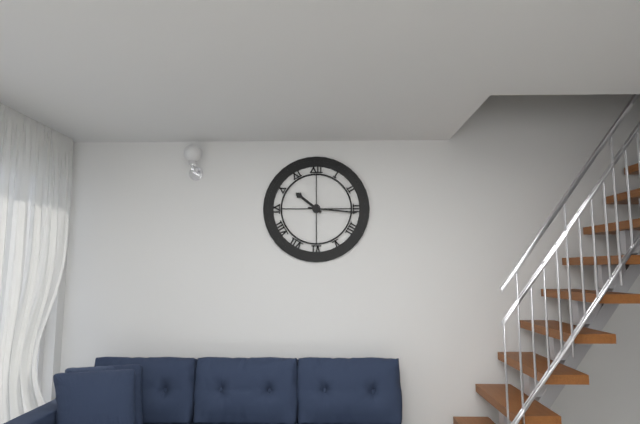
{"hour": 10, "minute": 16}
